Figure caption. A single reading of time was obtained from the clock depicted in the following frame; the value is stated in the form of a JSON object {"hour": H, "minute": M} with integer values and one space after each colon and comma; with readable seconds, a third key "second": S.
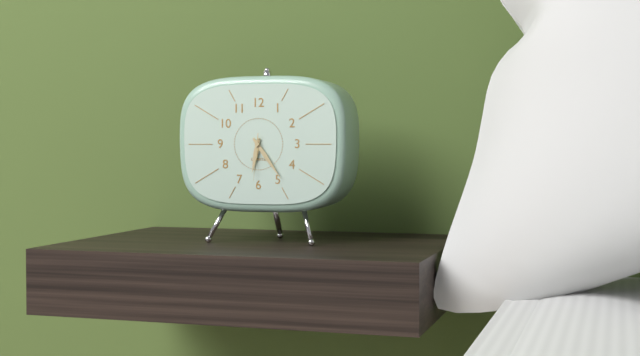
{"hour": 6, "minute": 24}
